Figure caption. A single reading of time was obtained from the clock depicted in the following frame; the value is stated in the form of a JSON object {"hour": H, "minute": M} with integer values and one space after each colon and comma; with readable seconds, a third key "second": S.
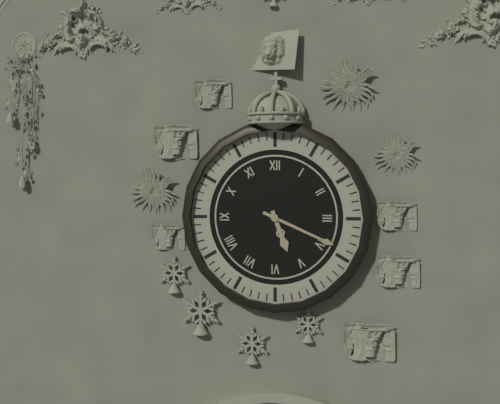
{"hour": 5, "minute": 19}
